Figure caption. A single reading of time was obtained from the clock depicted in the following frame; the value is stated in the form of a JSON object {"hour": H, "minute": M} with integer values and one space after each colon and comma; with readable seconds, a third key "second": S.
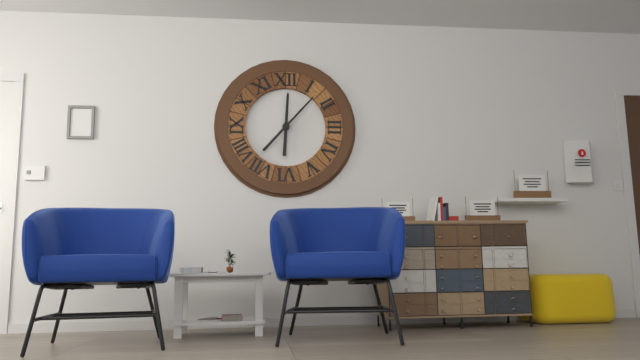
{"hour": 12, "minute": 7}
